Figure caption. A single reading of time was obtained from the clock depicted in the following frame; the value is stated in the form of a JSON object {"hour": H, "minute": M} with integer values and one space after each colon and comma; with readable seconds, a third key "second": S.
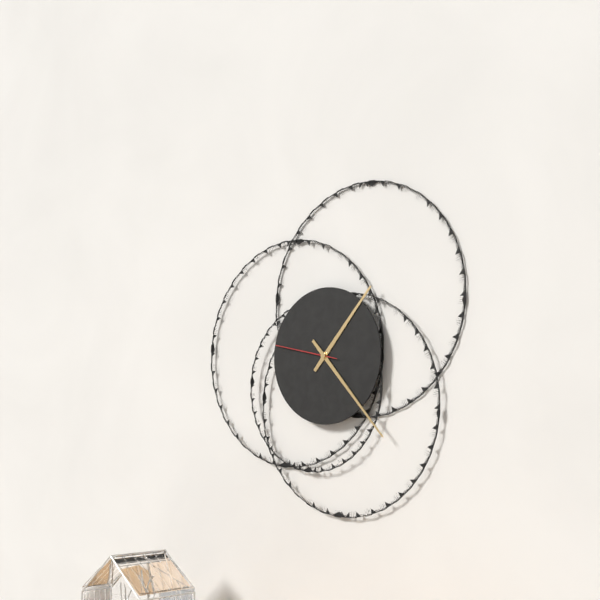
{"hour": 1, "minute": 23, "second": 47}
